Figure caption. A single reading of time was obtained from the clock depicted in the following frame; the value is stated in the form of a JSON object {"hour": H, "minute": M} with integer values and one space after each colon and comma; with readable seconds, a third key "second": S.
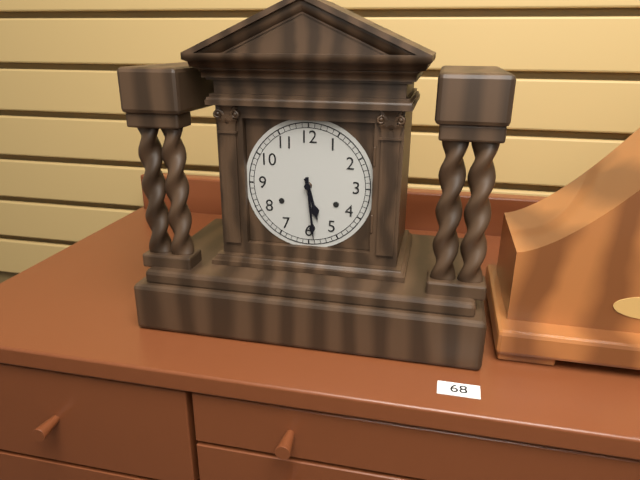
{"hour": 5, "minute": 29}
